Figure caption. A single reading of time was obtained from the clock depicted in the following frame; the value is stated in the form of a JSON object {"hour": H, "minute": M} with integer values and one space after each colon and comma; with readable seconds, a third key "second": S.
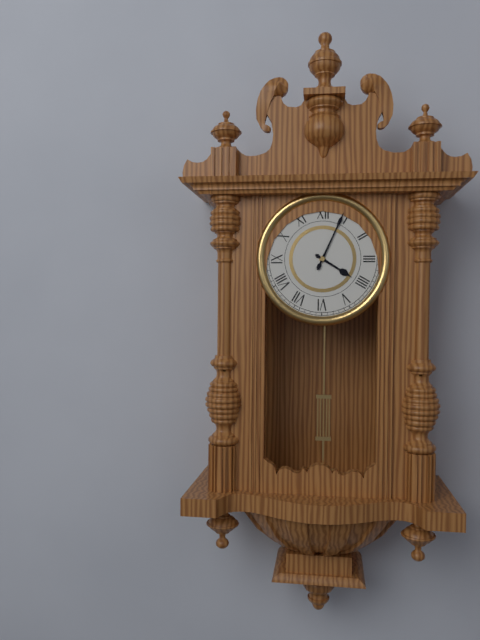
{"hour": 4, "minute": 4}
